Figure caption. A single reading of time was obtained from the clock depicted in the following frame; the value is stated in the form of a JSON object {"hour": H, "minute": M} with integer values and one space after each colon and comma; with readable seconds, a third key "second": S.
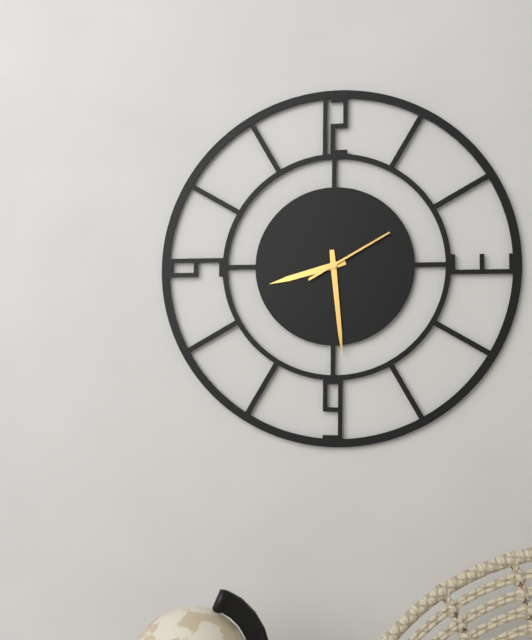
{"hour": 8, "minute": 29, "second": 10}
